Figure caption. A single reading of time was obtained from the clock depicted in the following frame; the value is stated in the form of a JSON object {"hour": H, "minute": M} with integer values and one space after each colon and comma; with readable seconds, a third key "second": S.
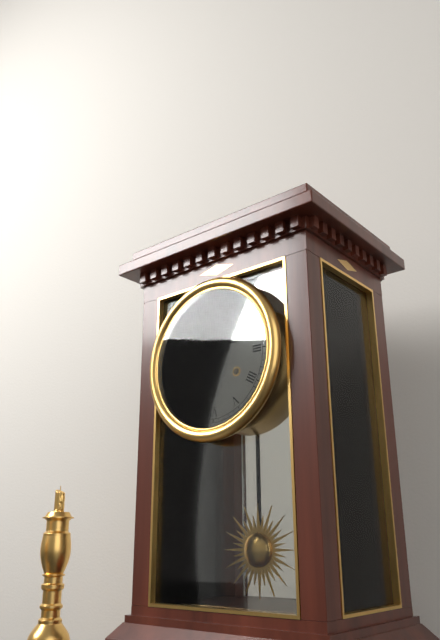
{"hour": 2, "minute": 3}
